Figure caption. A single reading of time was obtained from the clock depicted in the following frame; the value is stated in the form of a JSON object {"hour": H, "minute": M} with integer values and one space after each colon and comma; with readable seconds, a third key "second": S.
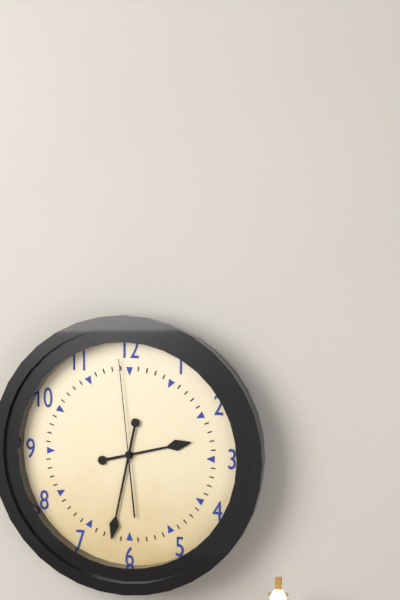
{"hour": 2, "minute": 32, "second": 59}
